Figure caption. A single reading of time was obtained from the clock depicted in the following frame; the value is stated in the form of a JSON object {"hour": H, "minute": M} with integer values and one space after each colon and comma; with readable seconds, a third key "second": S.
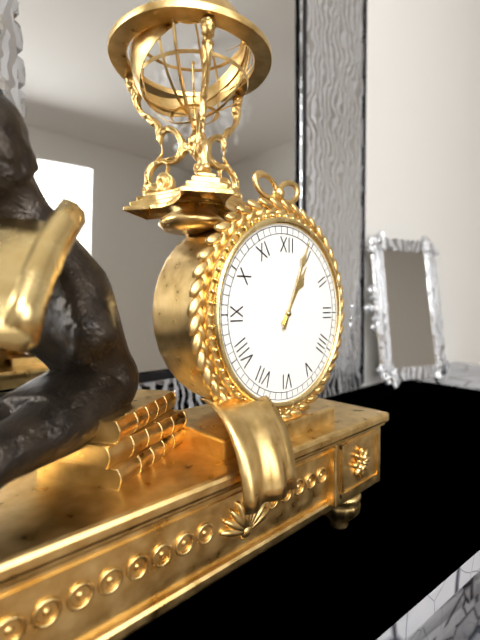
{"hour": 1, "minute": 4}
